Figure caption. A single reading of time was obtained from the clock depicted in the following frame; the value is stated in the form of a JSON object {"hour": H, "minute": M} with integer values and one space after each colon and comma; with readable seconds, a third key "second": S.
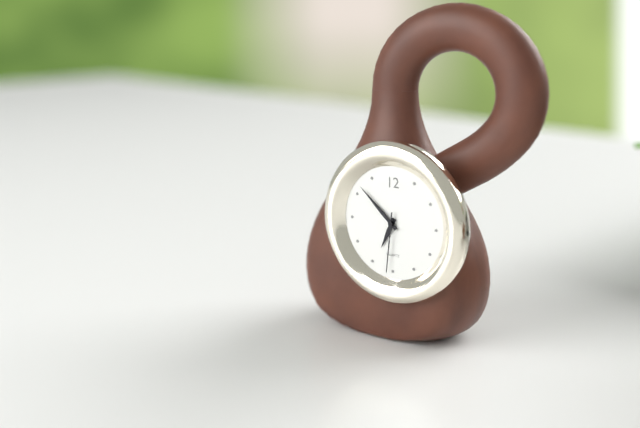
{"hour": 6, "minute": 52, "second": 31}
